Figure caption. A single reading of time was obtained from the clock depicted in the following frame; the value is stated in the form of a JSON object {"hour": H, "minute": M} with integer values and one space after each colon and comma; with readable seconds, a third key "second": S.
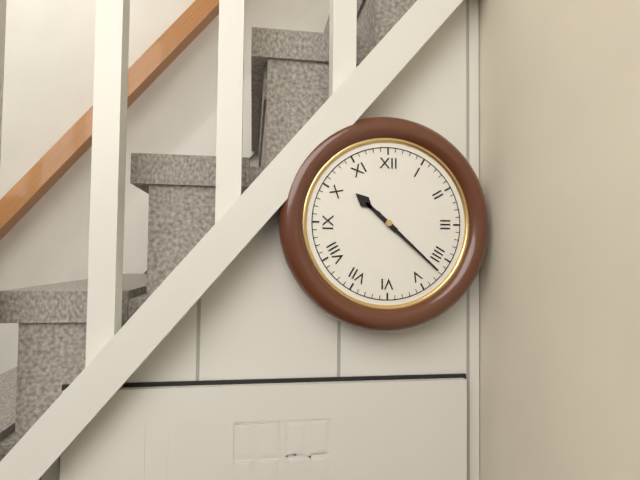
{"hour": 10, "minute": 22}
